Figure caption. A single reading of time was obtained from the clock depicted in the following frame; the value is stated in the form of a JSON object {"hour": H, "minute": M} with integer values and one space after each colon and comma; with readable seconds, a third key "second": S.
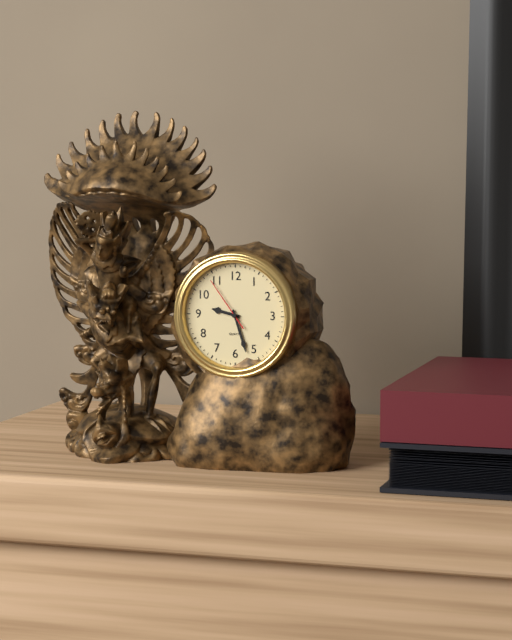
{"hour": 9, "minute": 27, "second": 54}
